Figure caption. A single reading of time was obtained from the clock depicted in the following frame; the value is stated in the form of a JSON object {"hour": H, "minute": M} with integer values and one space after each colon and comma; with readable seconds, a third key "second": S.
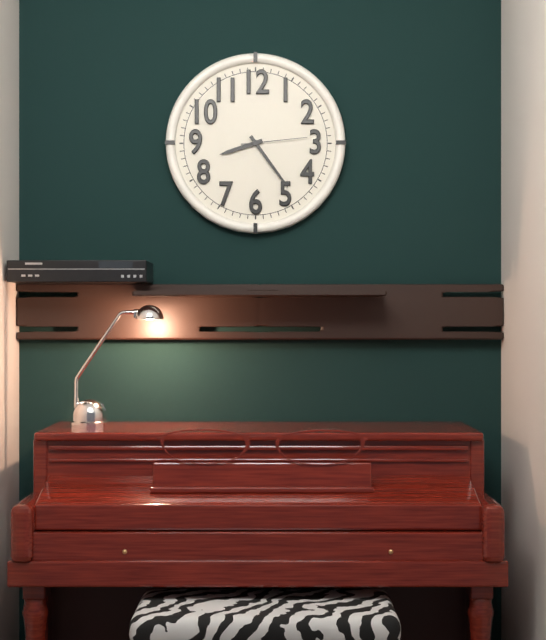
{"hour": 8, "minute": 24, "second": 14}
